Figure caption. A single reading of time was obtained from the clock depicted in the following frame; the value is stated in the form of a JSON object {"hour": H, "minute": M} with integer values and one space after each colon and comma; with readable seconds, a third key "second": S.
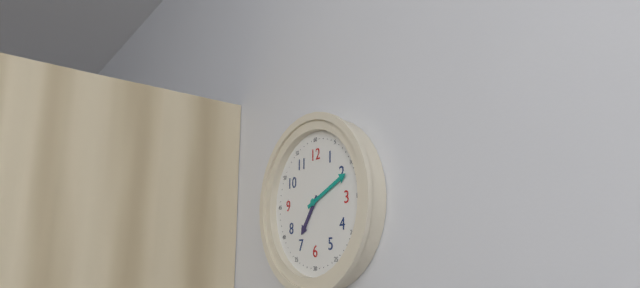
{"hour": 7, "minute": 11}
